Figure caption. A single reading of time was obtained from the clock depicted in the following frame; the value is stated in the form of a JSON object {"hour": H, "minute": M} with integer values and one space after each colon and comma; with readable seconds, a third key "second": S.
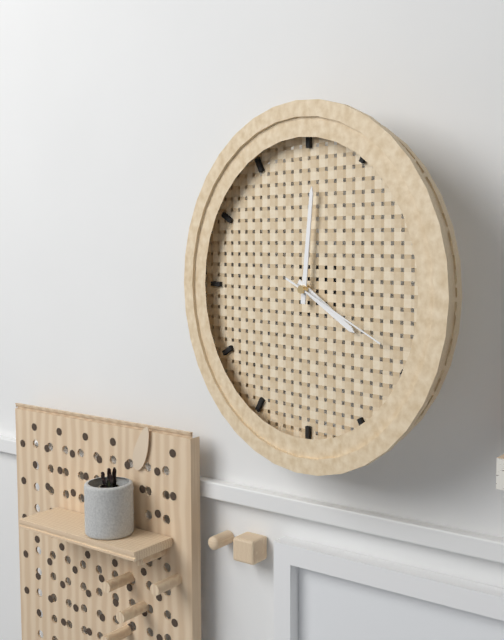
{"hour": 4, "minute": 1, "second": 19}
